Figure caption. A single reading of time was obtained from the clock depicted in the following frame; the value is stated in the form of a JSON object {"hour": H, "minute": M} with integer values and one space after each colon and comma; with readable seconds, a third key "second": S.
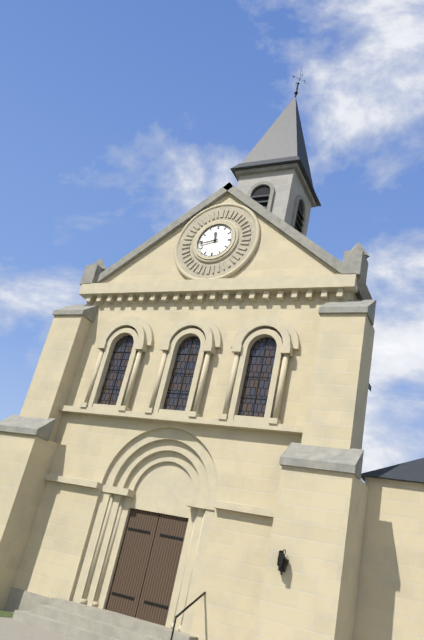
{"hour": 11, "minute": 43}
